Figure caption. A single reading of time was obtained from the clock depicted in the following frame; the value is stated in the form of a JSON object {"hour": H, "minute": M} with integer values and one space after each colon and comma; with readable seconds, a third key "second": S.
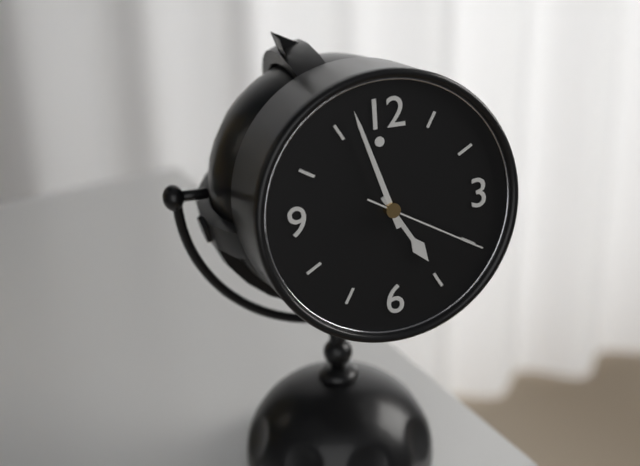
{"hour": 4, "minute": 57, "second": 20}
